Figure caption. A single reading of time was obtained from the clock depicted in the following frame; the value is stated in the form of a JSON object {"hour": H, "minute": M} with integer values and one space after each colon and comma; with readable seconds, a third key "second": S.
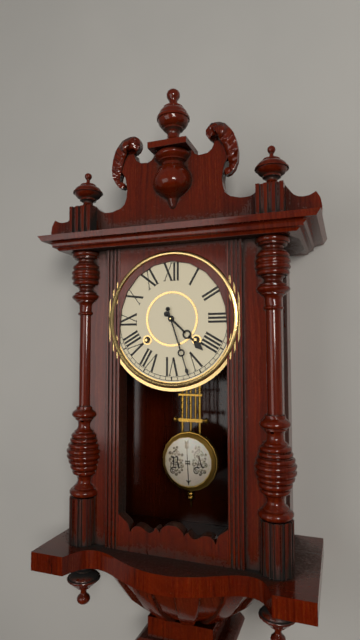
{"hour": 4, "minute": 27}
